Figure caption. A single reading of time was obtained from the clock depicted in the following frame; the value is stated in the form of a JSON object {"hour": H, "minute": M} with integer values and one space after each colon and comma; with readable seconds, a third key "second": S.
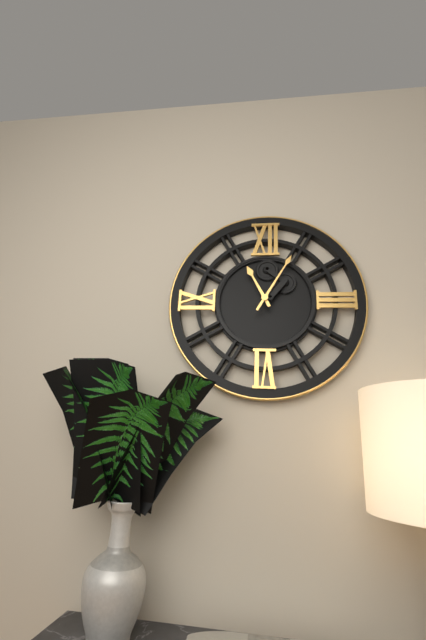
{"hour": 11, "minute": 5}
